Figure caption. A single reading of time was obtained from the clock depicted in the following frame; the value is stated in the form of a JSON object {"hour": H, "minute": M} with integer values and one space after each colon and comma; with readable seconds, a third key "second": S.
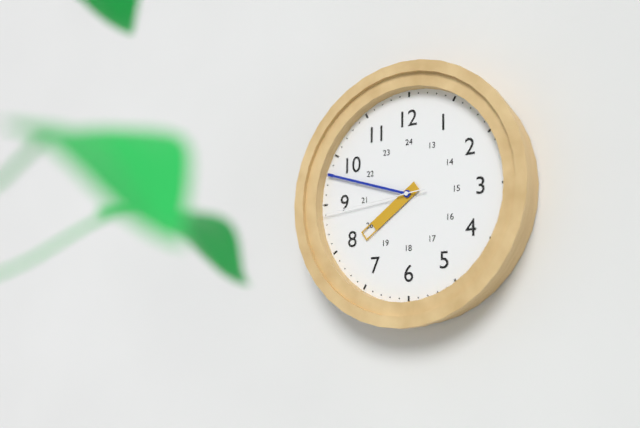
{"hour": 7, "minute": 48, "second": 44}
